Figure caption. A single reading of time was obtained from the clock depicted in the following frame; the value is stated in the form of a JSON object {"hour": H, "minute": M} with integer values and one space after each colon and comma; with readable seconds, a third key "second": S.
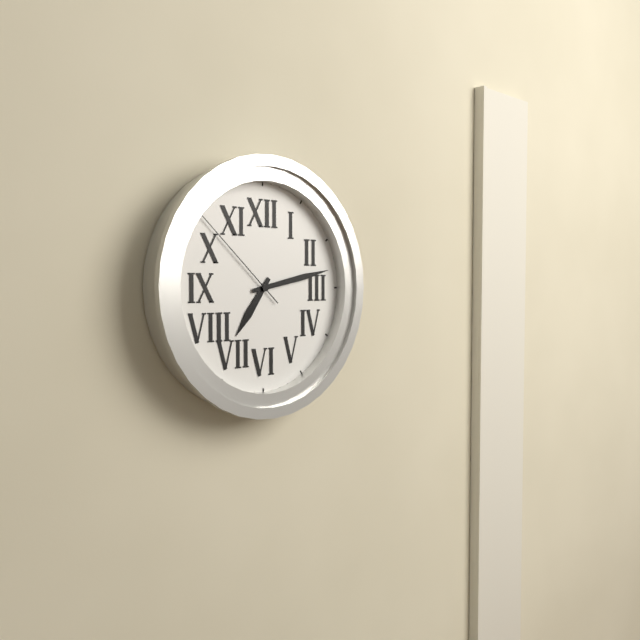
{"hour": 7, "minute": 13, "second": 52}
